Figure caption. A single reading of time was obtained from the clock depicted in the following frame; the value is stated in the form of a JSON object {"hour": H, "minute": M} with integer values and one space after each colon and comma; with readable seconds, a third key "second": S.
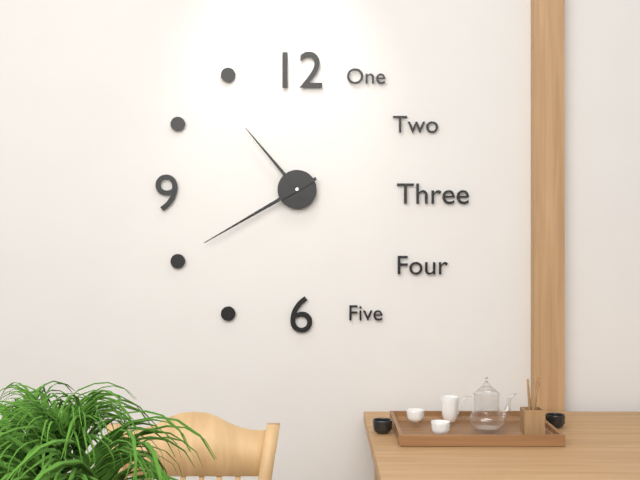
{"hour": 10, "minute": 40}
